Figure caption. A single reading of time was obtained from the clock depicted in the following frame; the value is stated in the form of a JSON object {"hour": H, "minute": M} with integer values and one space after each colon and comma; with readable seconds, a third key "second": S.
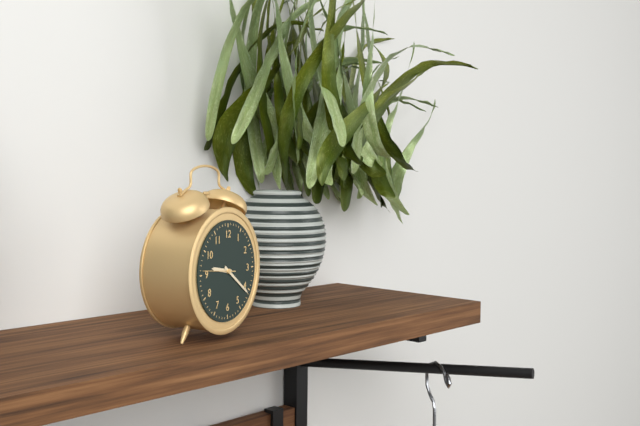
{"hour": 9, "minute": 21}
